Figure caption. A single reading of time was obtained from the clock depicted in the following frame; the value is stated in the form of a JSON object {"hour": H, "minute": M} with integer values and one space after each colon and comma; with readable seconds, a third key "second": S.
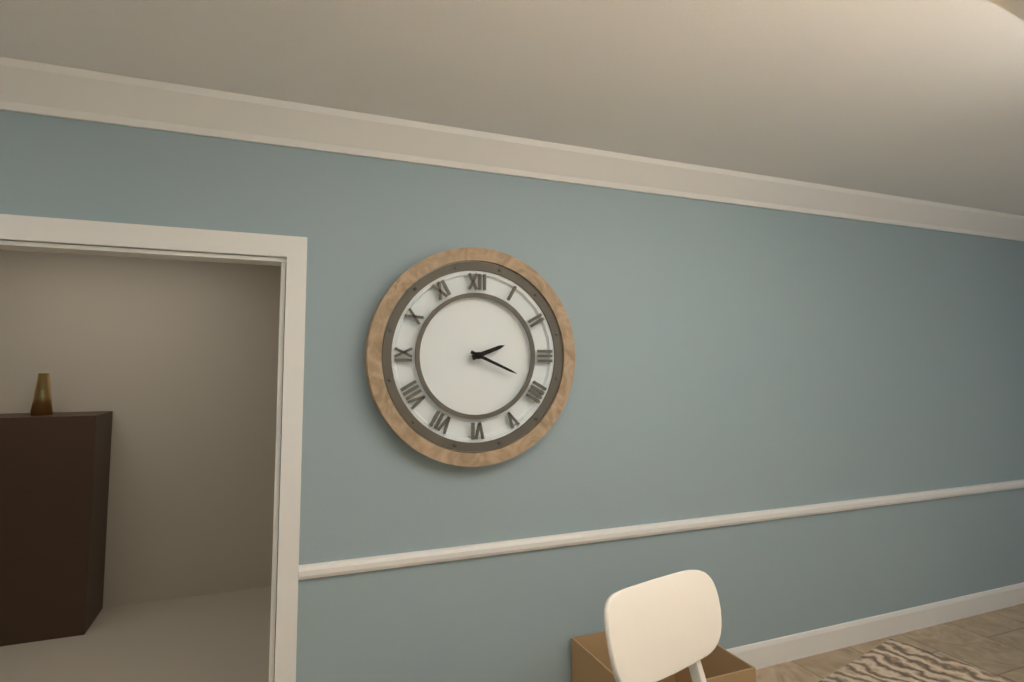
{"hour": 2, "minute": 19}
